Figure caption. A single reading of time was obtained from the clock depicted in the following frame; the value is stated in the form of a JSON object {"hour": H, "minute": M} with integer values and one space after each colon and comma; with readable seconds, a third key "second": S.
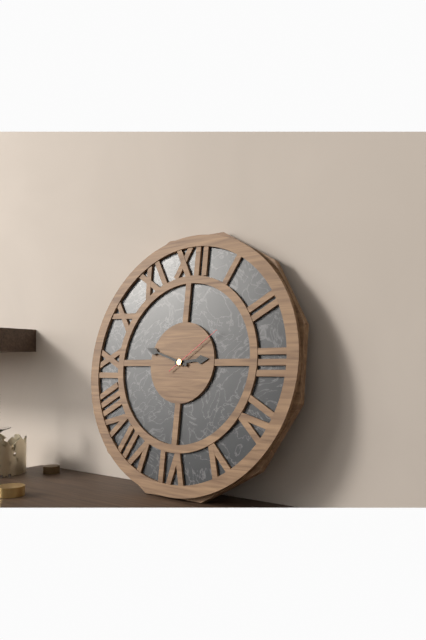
{"hour": 2, "minute": 48, "second": 9}
